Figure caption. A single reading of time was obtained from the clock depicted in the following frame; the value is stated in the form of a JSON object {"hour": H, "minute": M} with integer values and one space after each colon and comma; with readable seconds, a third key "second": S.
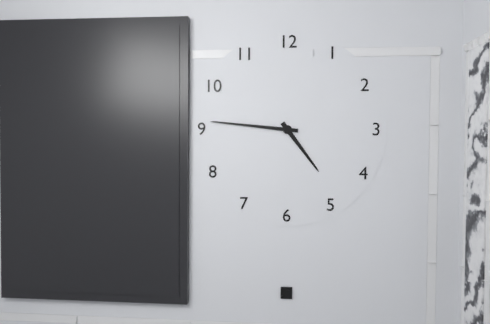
{"hour": 4, "minute": 46}
